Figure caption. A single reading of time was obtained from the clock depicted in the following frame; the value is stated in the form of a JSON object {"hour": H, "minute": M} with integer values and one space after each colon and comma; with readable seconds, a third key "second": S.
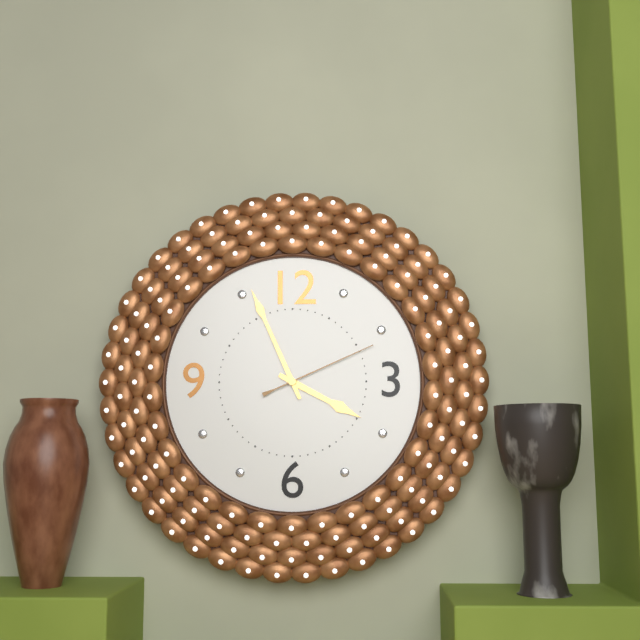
{"hour": 3, "minute": 56, "second": 11}
